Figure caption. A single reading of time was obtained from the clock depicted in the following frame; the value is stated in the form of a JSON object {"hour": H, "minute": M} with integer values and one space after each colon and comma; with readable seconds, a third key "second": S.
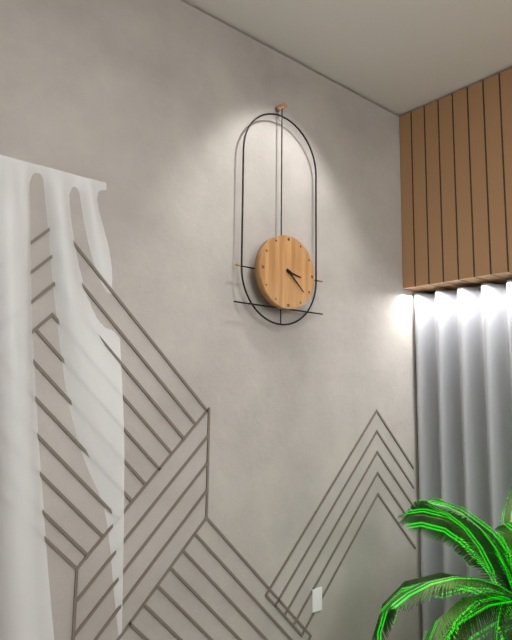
{"hour": 3, "minute": 22}
